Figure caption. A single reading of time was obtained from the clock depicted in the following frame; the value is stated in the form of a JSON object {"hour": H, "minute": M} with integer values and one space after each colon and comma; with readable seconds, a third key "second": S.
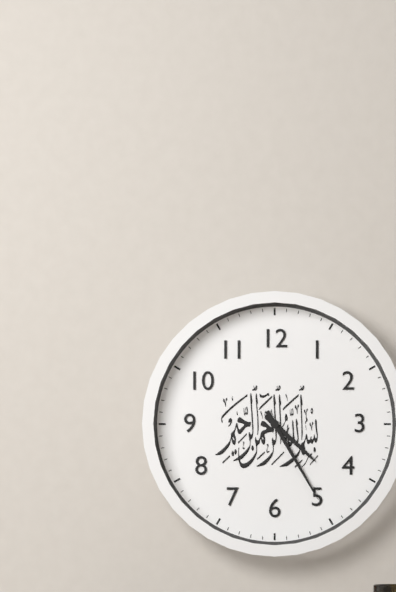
{"hour": 4, "minute": 25}
